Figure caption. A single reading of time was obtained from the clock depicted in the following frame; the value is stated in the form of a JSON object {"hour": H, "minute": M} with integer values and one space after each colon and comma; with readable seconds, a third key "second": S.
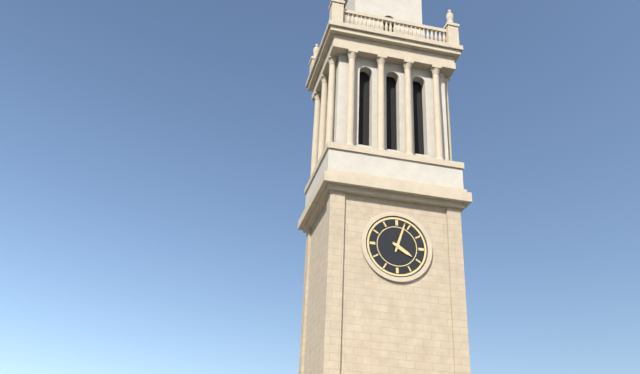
{"hour": 4, "minute": 3}
